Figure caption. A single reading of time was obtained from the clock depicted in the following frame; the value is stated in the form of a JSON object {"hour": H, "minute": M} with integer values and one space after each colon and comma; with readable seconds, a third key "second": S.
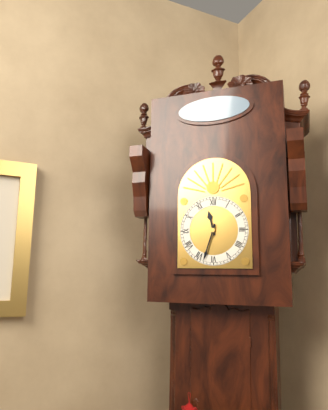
{"hour": 11, "minute": 33}
